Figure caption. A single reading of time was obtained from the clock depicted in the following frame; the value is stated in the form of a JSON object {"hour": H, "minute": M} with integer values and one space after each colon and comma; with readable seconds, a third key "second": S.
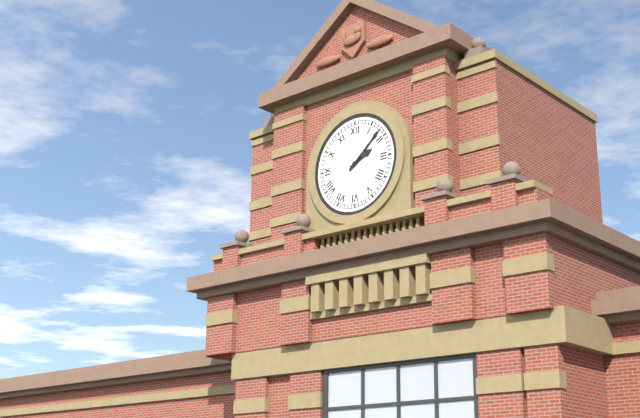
{"hour": 2, "minute": 8}
